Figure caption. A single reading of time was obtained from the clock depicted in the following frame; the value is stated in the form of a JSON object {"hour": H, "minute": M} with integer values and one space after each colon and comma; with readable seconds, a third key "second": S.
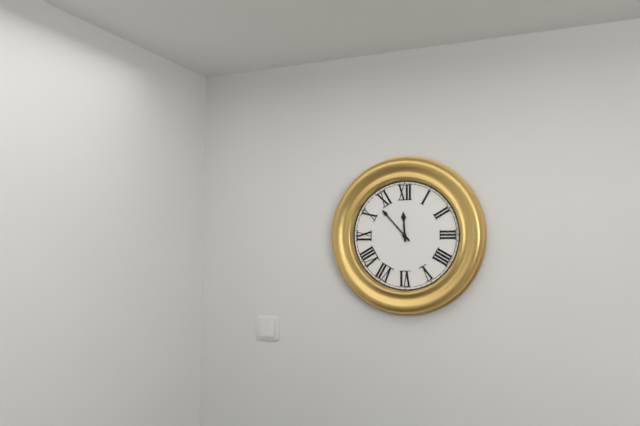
{"hour": 11, "minute": 53}
